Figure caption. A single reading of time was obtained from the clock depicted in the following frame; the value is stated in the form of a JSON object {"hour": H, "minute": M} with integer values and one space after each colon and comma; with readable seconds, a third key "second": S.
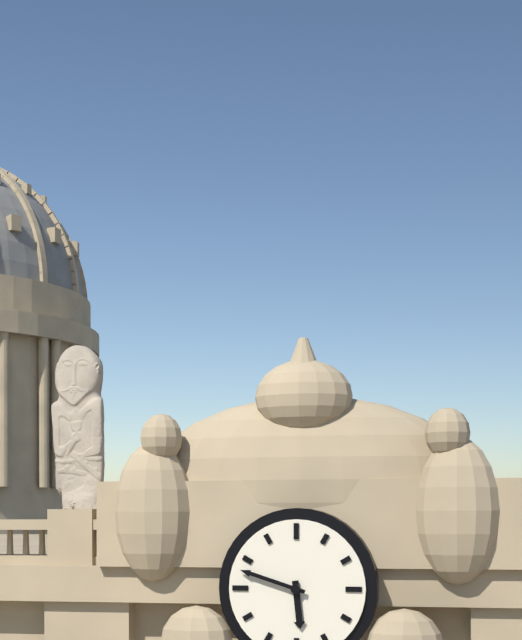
{"hour": 5, "minute": 48}
